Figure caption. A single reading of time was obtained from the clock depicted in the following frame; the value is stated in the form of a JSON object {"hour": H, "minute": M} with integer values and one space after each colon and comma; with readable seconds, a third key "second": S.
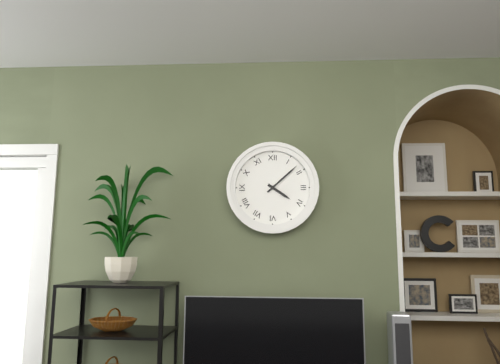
{"hour": 4, "minute": 8}
